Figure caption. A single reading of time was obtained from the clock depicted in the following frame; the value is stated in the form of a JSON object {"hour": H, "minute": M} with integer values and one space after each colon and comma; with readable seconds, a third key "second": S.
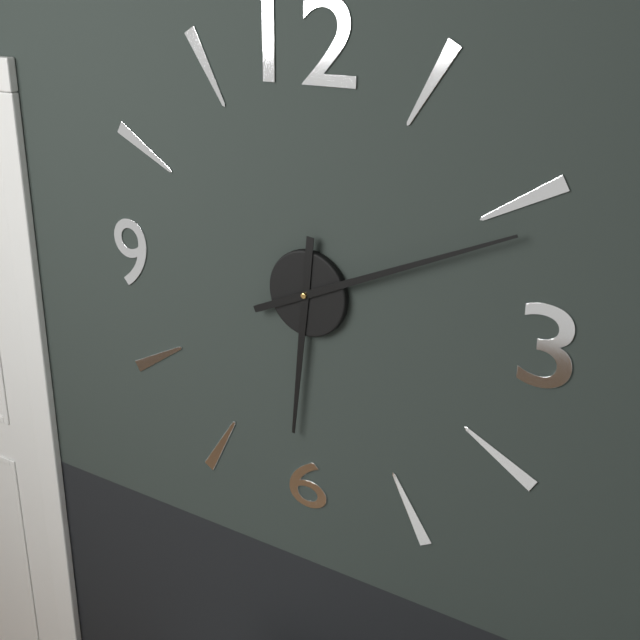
{"hour": 6, "minute": 11}
